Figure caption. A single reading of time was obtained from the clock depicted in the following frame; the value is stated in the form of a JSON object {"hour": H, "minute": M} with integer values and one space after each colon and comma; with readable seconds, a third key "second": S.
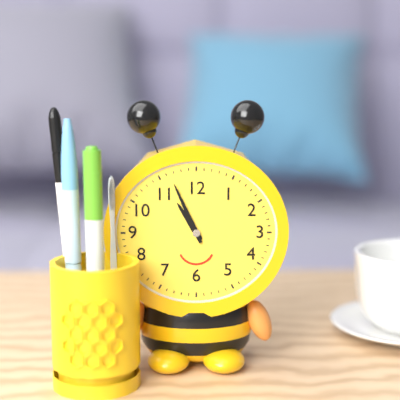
{"hour": 10, "minute": 56}
